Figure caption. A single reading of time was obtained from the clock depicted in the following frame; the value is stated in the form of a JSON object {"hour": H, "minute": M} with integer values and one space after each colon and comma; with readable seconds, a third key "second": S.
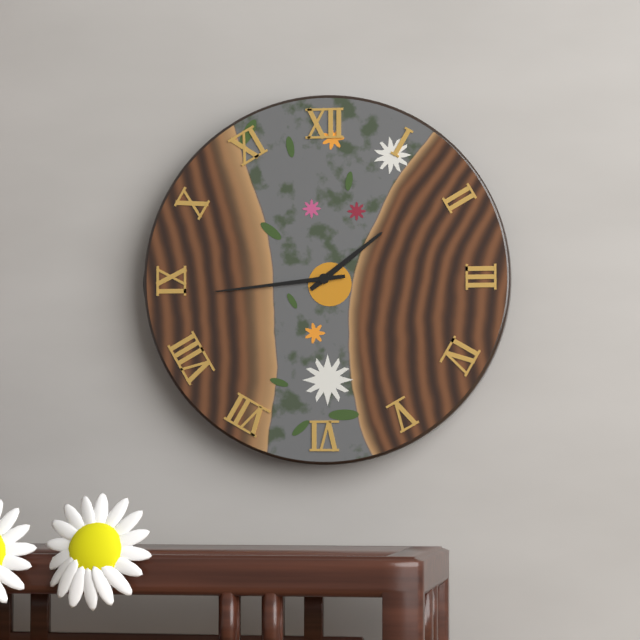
{"hour": 1, "minute": 44}
